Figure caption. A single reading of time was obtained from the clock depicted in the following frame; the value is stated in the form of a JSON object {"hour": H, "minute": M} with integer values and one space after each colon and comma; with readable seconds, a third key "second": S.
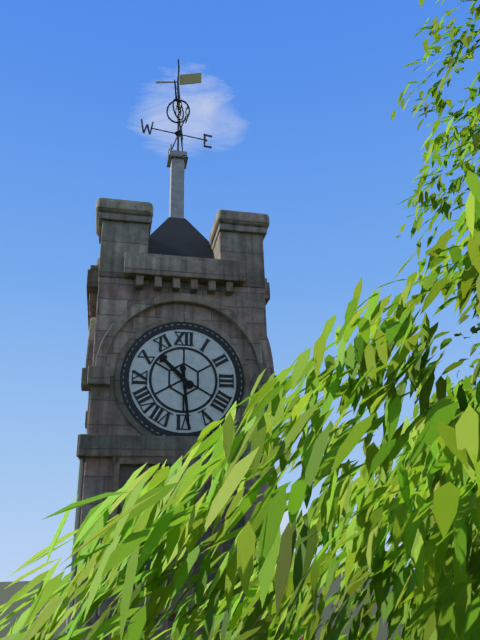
{"hour": 10, "minute": 29}
